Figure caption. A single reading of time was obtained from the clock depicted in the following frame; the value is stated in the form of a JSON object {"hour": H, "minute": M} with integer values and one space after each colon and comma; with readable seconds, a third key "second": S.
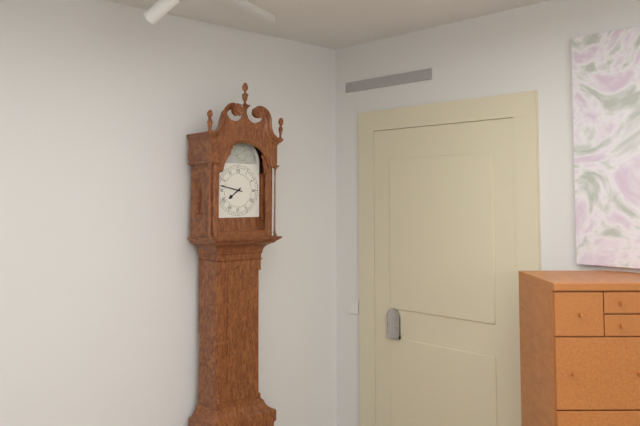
{"hour": 7, "minute": 47}
